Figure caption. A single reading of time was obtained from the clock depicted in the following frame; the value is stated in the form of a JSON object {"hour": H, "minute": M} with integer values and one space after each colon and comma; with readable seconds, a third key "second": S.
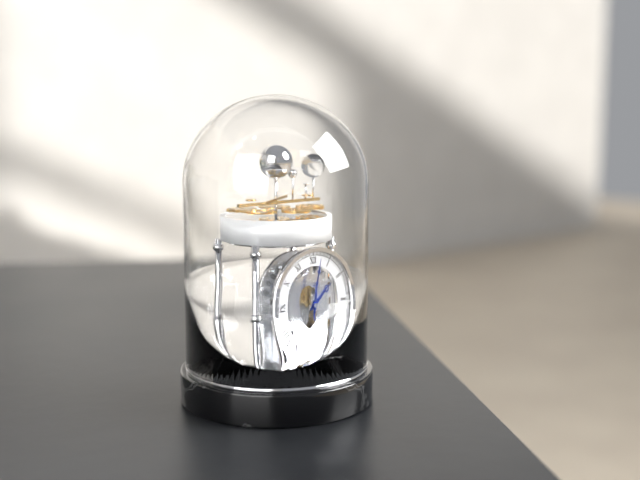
{"hour": 2, "minute": 2}
